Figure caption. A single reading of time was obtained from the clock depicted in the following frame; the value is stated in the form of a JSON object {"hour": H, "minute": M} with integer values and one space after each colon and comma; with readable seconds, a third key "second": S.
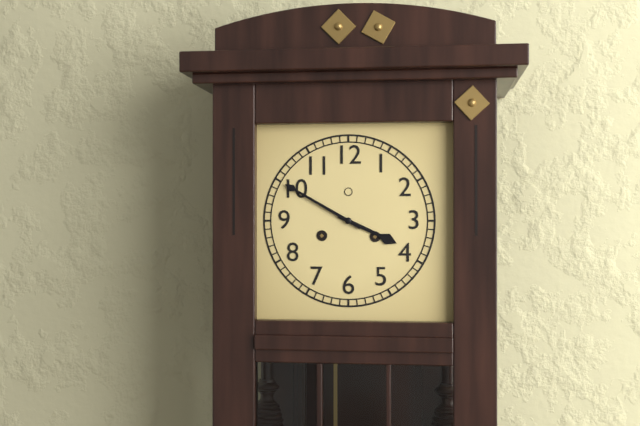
{"hour": 3, "minute": 50}
